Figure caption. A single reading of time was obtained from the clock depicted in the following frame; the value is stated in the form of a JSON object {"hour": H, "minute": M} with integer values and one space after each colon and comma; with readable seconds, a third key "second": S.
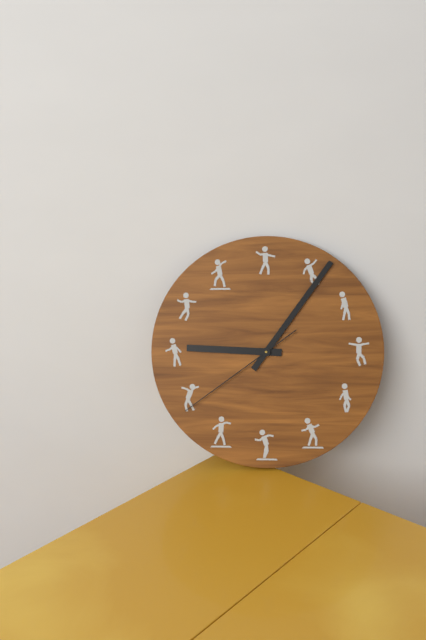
{"hour": 9, "minute": 6, "second": 39}
